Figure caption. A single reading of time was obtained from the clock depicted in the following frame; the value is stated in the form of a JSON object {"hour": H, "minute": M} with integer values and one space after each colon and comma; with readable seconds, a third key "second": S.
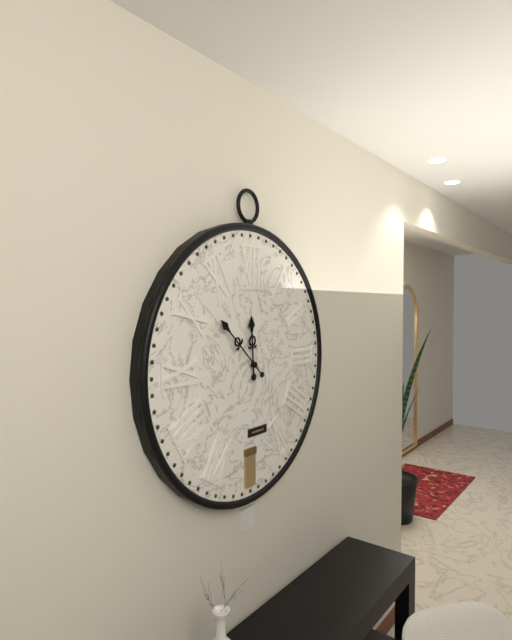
{"hour": 11, "minute": 52}
